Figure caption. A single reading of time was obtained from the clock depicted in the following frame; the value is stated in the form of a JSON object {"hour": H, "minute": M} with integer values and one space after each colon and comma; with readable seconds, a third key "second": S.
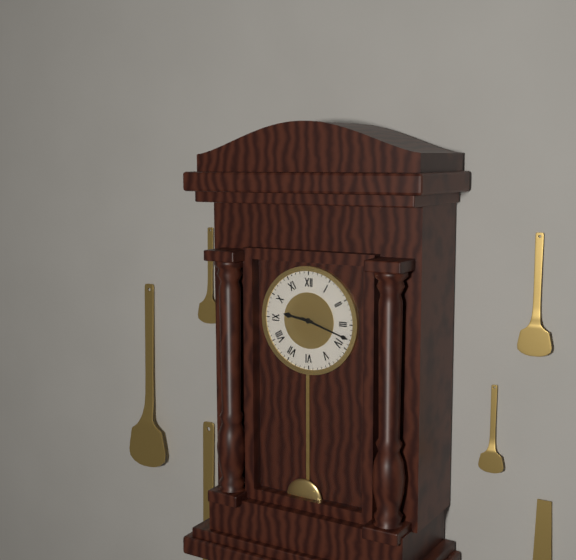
{"hour": 9, "minute": 18}
